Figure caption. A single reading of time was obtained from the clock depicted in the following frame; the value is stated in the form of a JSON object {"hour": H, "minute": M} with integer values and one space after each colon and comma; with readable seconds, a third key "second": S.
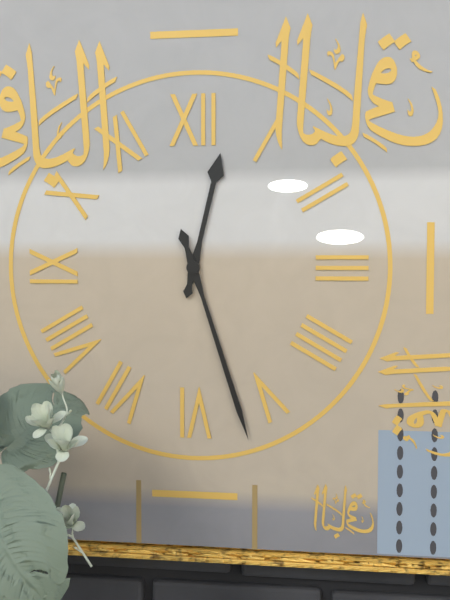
{"hour": 12, "minute": 27}
